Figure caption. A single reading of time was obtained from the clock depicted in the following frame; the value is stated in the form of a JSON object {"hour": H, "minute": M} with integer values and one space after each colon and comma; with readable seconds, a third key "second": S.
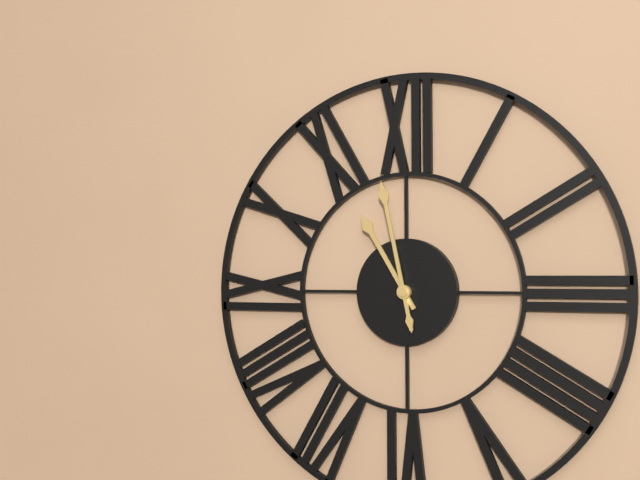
{"hour": 10, "minute": 58}
